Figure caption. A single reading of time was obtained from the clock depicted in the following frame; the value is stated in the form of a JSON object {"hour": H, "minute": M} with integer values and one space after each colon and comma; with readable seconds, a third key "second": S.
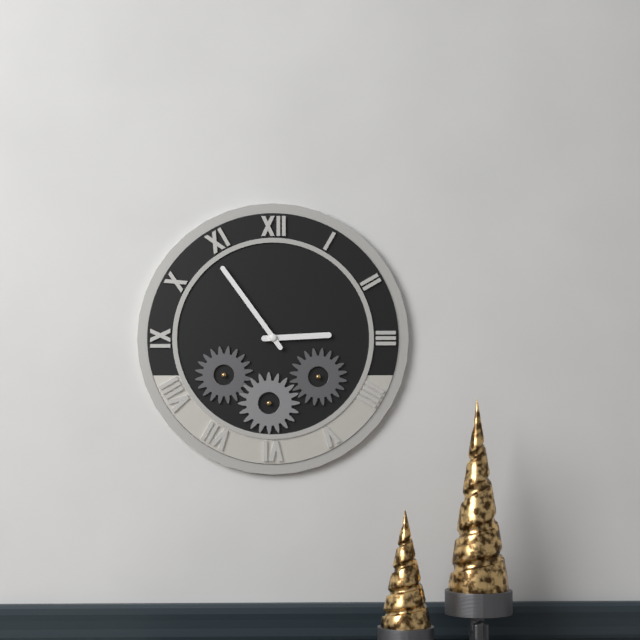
{"hour": 2, "minute": 54}
